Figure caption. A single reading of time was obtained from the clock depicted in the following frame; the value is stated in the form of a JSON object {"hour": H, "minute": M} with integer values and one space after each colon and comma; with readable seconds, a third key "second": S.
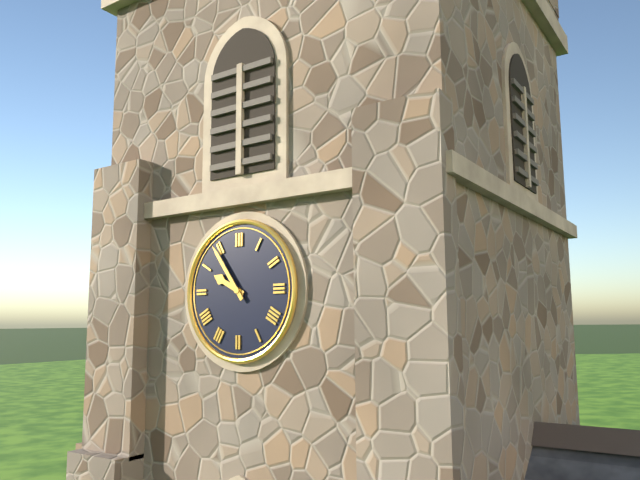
{"hour": 9, "minute": 54}
